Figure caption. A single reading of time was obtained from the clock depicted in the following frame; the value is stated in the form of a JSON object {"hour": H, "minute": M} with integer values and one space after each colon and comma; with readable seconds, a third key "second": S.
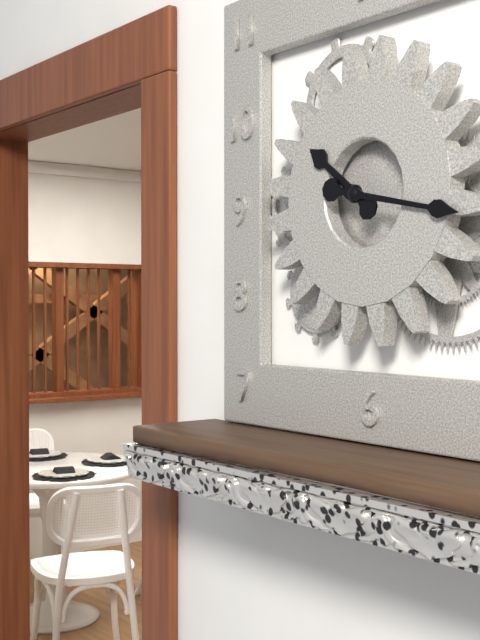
{"hour": 10, "minute": 17}
